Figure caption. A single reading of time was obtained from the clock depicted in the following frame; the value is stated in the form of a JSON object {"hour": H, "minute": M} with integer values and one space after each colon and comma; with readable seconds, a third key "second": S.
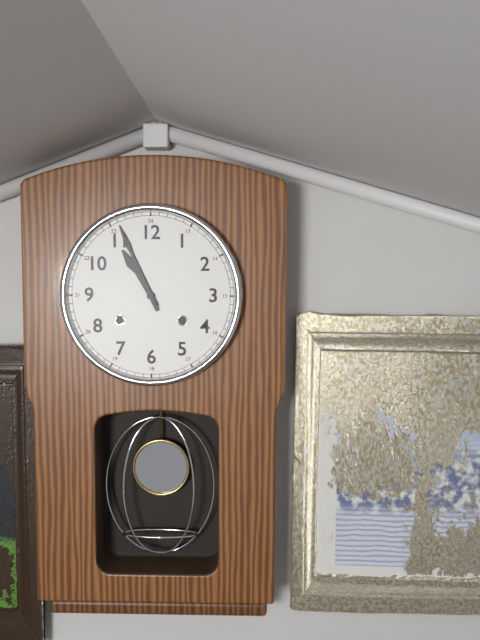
{"hour": 10, "minute": 56}
